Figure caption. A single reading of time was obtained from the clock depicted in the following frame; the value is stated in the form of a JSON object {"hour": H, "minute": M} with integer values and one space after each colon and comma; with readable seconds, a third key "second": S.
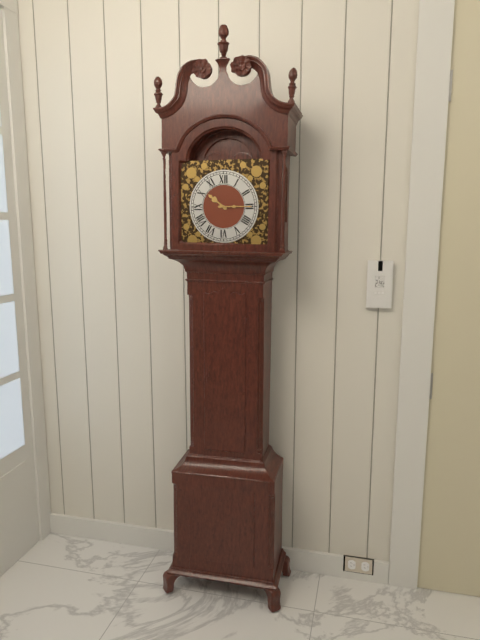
{"hour": 10, "minute": 15}
